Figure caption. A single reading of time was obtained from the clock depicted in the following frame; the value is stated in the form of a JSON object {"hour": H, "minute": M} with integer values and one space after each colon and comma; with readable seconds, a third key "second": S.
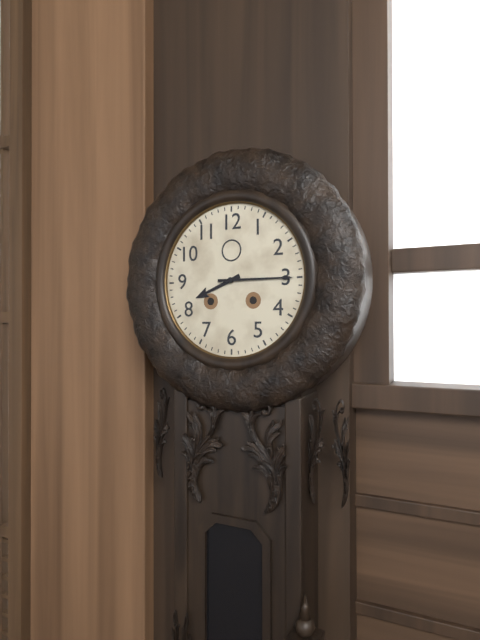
{"hour": 8, "minute": 15}
